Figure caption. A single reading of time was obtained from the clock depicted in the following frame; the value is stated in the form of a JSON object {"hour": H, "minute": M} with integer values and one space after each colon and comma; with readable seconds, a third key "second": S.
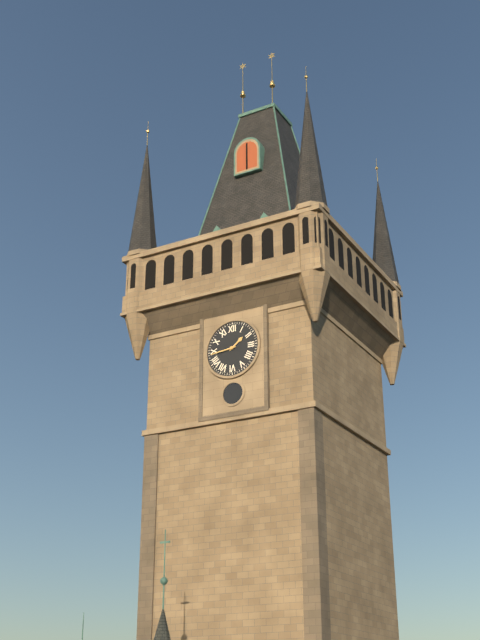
{"hour": 1, "minute": 44}
